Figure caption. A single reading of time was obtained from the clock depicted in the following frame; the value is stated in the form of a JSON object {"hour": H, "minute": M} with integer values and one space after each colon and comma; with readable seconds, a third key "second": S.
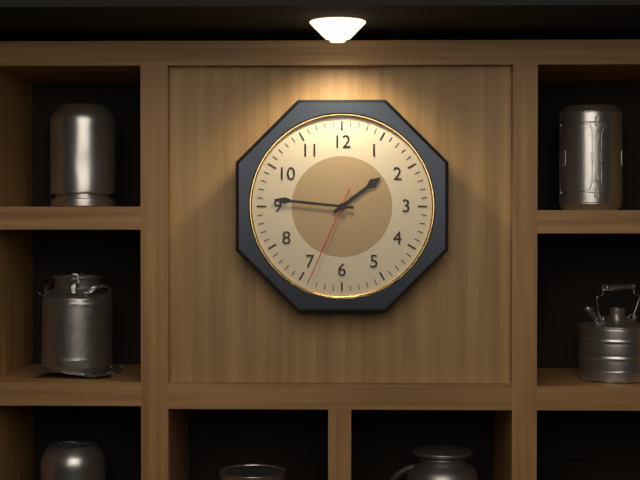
{"hour": 1, "minute": 46, "second": 34}
